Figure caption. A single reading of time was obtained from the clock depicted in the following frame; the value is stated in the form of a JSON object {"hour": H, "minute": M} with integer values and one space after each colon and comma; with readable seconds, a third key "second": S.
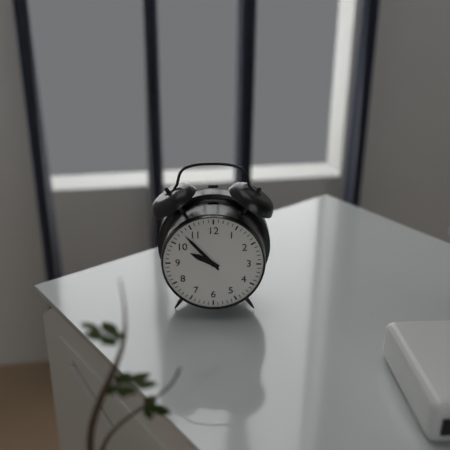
{"hour": 9, "minute": 53}
